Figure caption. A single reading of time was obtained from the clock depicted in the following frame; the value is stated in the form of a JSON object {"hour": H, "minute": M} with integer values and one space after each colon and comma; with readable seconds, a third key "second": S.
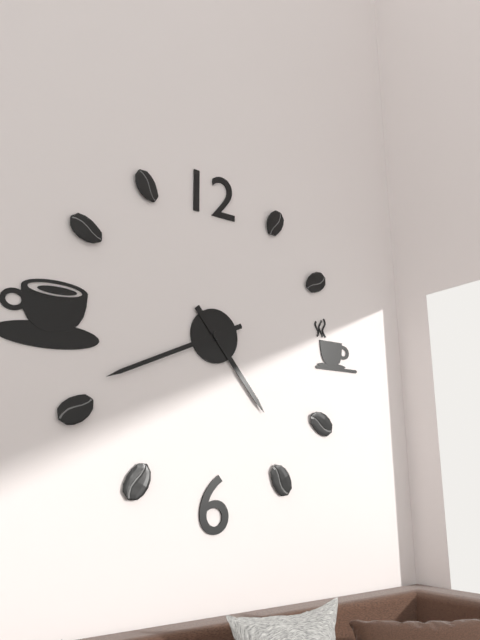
{"hour": 4, "minute": 41}
